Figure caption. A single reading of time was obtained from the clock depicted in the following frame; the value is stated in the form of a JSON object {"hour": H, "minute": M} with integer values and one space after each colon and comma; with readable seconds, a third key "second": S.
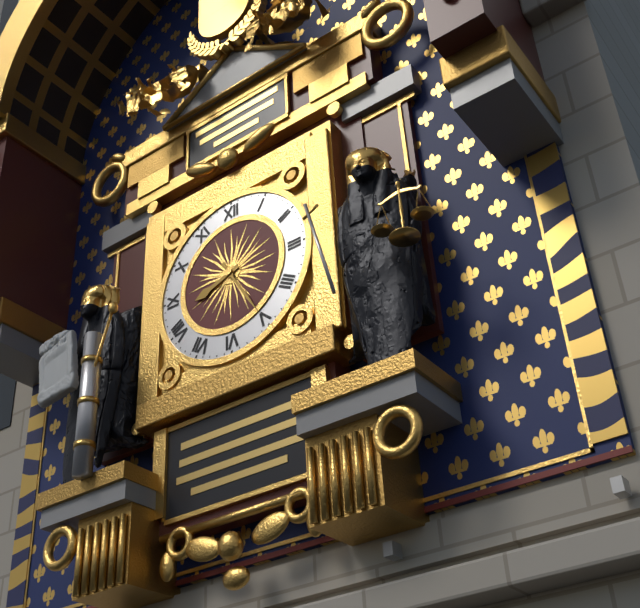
{"hour": 8, "minute": 25}
